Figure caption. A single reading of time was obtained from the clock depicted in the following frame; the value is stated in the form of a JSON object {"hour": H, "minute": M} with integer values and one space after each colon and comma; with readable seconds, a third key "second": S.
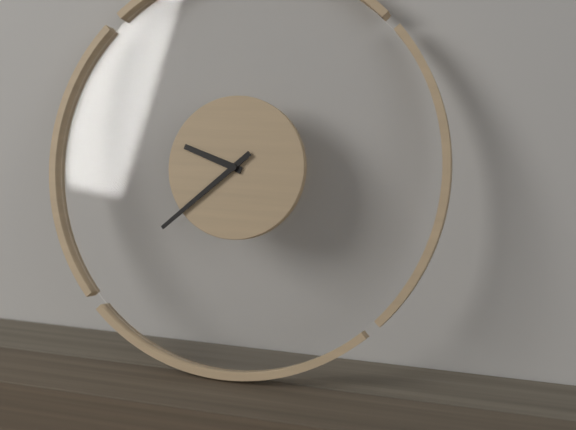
{"hour": 9, "minute": 38}
